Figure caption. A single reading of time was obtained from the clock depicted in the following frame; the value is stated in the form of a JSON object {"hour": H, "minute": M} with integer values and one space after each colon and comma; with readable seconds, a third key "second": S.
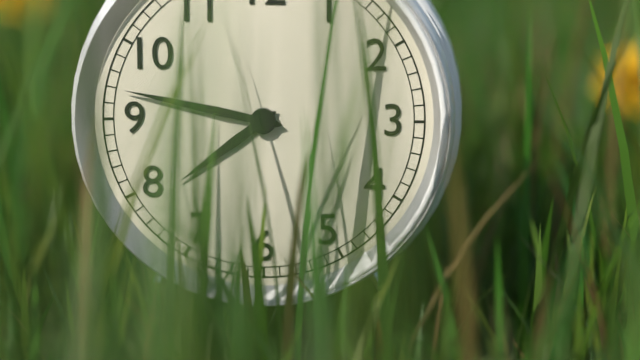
{"hour": 7, "minute": 47}
